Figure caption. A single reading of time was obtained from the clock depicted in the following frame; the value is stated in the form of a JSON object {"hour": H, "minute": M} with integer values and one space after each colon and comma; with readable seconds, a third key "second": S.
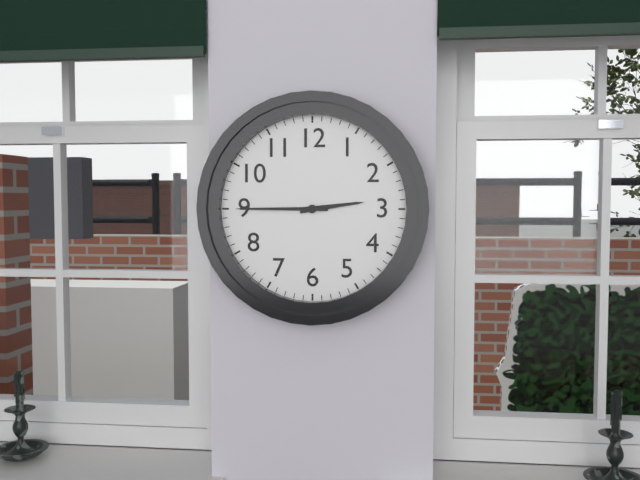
{"hour": 2, "minute": 45}
